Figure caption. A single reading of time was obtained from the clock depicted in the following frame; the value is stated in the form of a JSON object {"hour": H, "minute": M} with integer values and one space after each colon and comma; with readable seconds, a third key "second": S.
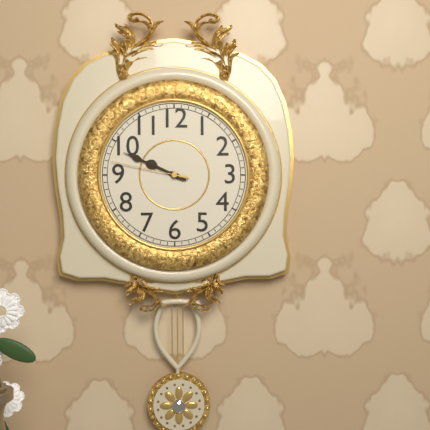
{"hour": 9, "minute": 49, "second": 47}
